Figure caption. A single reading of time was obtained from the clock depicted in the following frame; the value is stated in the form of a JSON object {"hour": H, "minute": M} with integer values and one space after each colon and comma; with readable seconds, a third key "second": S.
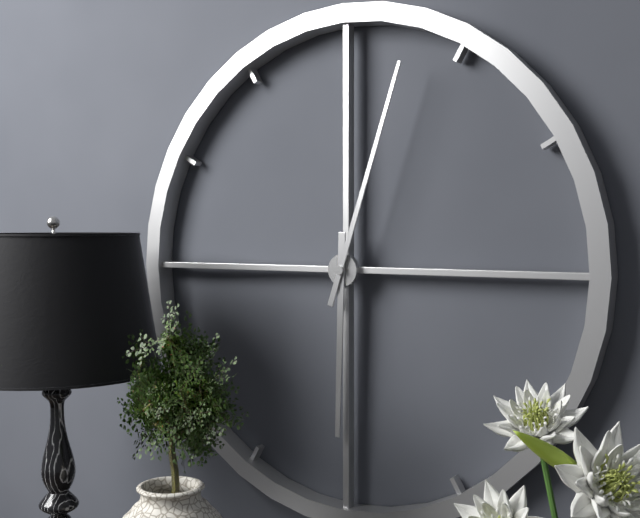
{"hour": 6, "minute": 3}
